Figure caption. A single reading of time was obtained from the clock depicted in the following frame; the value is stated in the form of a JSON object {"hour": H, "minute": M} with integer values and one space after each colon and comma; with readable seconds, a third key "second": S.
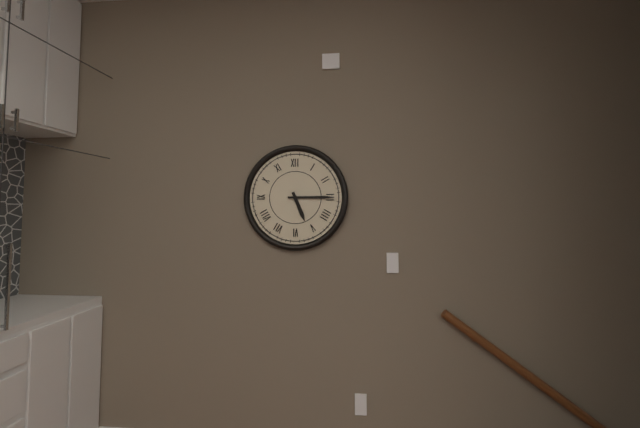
{"hour": 5, "minute": 15}
